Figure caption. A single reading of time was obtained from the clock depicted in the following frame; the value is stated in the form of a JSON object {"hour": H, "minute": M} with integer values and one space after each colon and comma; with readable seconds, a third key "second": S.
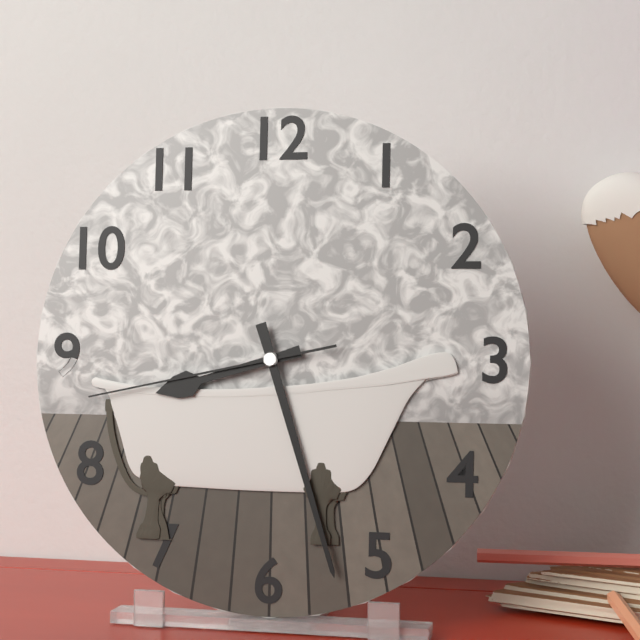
{"hour": 8, "minute": 27, "second": 43}
